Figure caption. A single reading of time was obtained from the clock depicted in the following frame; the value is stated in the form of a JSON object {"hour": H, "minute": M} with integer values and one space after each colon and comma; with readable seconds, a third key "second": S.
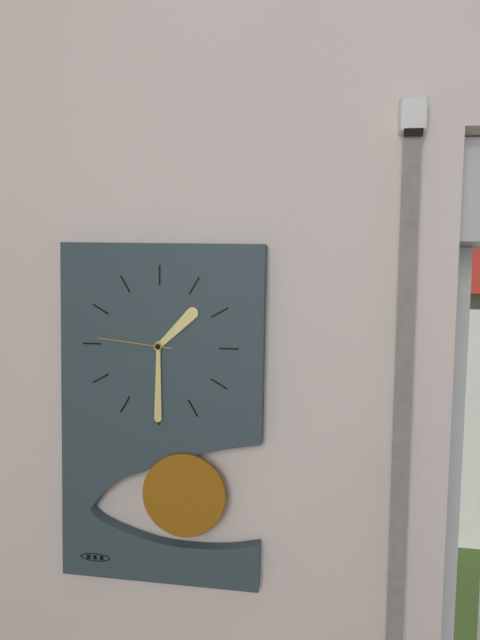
{"hour": 1, "minute": 30, "second": 46}
